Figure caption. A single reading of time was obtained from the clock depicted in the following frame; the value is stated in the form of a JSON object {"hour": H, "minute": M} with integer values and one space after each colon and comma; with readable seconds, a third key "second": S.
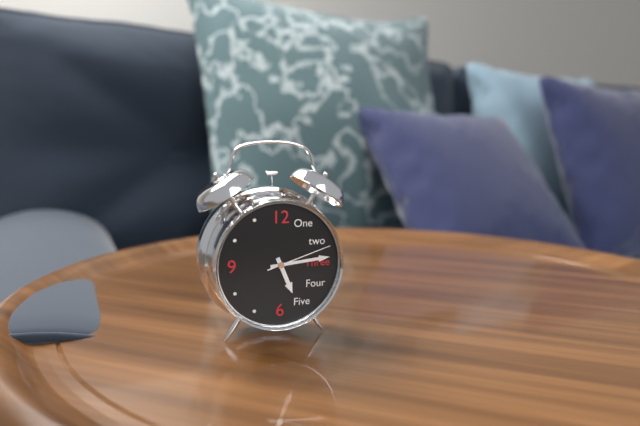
{"hour": 5, "minute": 14, "second": 12}
